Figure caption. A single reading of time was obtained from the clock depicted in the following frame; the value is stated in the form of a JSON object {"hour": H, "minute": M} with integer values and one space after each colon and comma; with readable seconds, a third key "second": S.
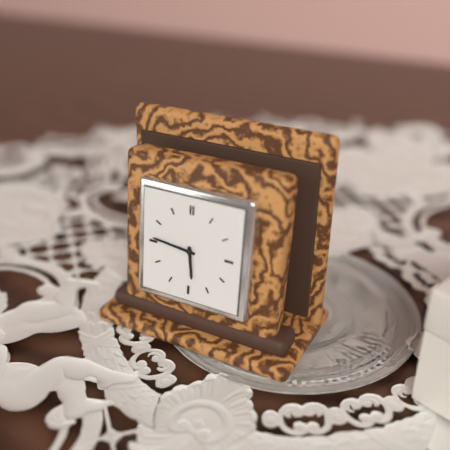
{"hour": 5, "minute": 46}
